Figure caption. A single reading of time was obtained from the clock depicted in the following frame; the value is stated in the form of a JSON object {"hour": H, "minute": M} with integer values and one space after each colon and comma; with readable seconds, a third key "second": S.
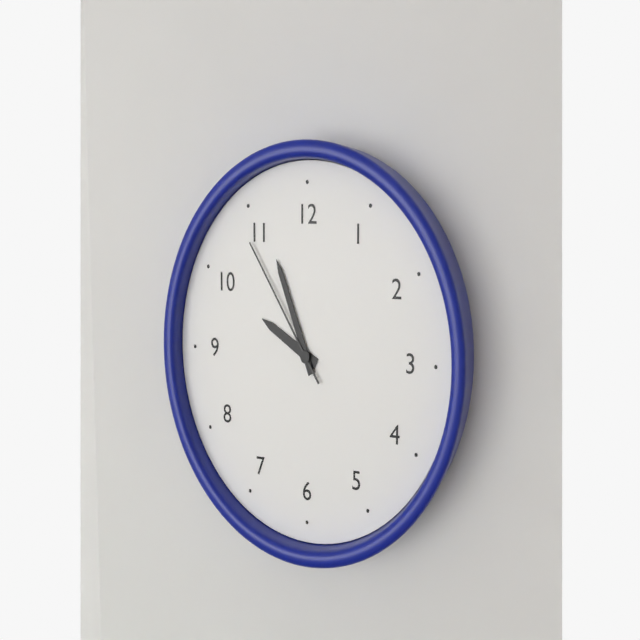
{"hour": 9, "minute": 56, "second": 54}
